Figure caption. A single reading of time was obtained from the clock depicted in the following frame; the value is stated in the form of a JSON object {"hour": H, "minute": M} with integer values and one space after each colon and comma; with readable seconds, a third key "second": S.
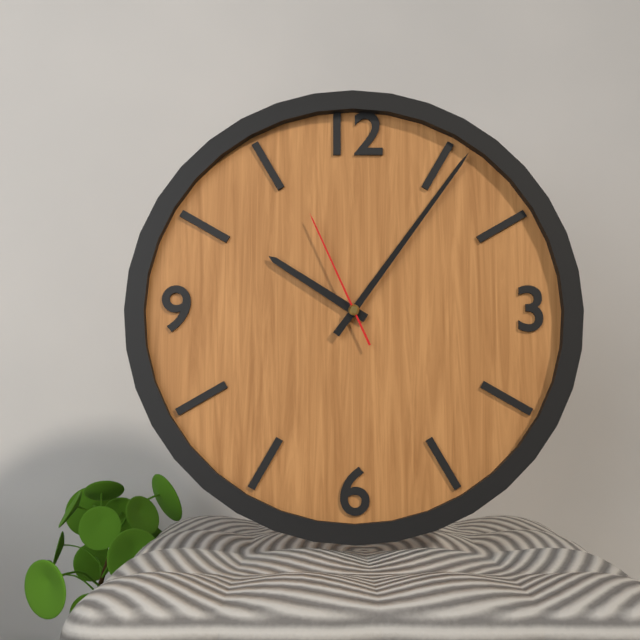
{"hour": 10, "minute": 6, "second": 56}
